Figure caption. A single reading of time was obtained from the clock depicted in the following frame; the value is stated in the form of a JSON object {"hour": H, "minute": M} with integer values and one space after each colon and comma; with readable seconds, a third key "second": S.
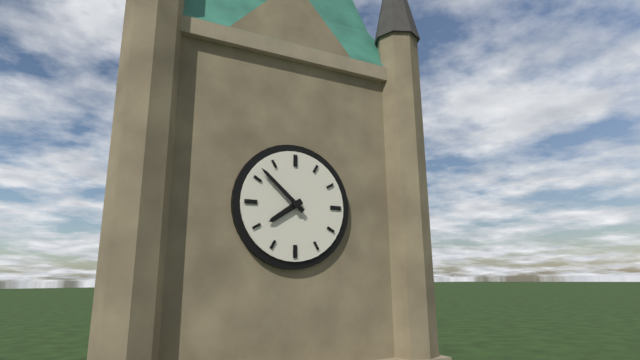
{"hour": 7, "minute": 52}
